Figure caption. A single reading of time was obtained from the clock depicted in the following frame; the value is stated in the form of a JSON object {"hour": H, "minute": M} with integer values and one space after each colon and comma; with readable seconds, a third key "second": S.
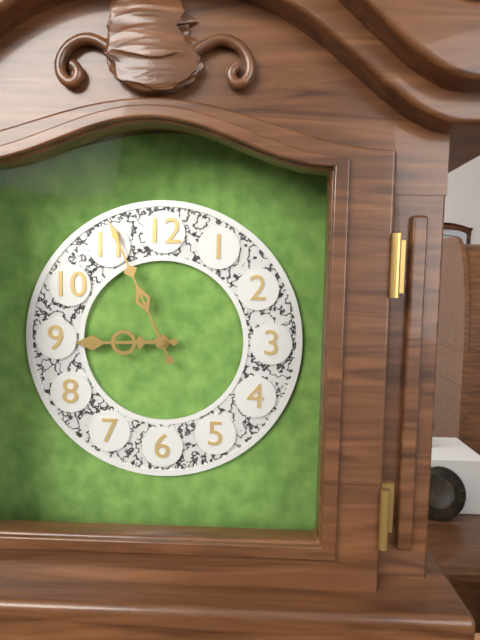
{"hour": 8, "minute": 56}
